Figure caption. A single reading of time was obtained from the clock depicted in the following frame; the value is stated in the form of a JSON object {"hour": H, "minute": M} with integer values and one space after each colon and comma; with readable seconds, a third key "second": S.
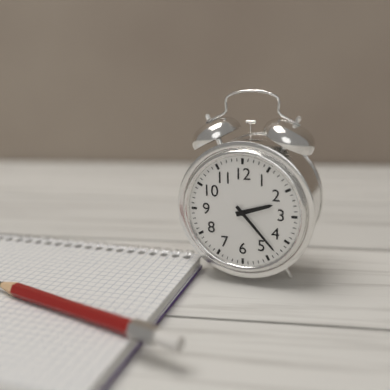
{"hour": 2, "minute": 23}
